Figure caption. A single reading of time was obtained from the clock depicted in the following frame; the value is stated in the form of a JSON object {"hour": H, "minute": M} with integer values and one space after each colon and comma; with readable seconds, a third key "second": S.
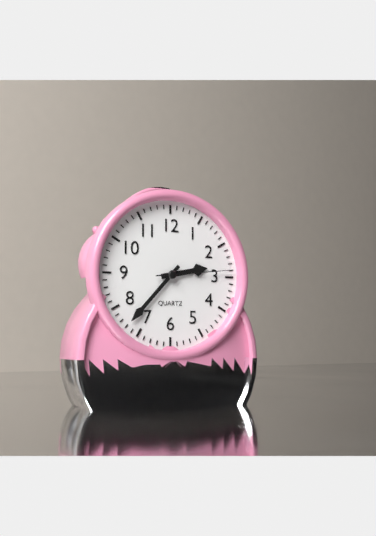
{"hour": 2, "minute": 37, "second": 14}
